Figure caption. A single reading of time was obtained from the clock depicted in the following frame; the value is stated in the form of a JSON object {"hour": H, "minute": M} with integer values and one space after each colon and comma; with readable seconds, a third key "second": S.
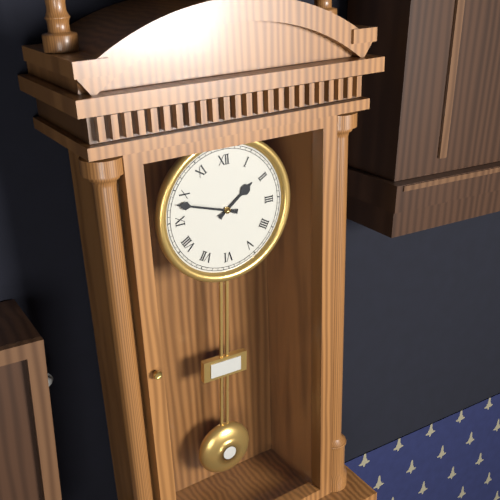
{"hour": 1, "minute": 48}
